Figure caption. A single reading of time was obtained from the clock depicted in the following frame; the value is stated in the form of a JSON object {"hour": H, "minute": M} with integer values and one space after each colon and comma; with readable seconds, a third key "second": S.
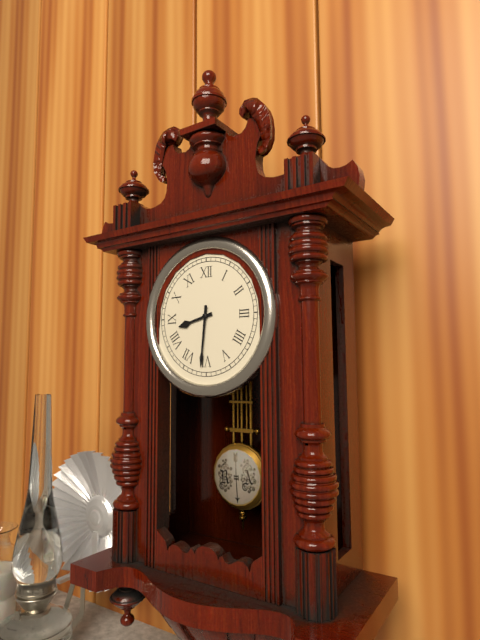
{"hour": 8, "minute": 31}
